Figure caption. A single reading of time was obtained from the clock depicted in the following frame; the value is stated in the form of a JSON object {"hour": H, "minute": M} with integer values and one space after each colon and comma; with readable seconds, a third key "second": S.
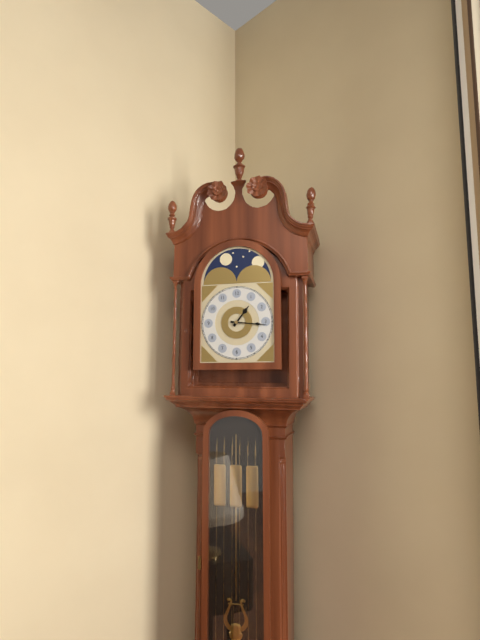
{"hour": 1, "minute": 16}
